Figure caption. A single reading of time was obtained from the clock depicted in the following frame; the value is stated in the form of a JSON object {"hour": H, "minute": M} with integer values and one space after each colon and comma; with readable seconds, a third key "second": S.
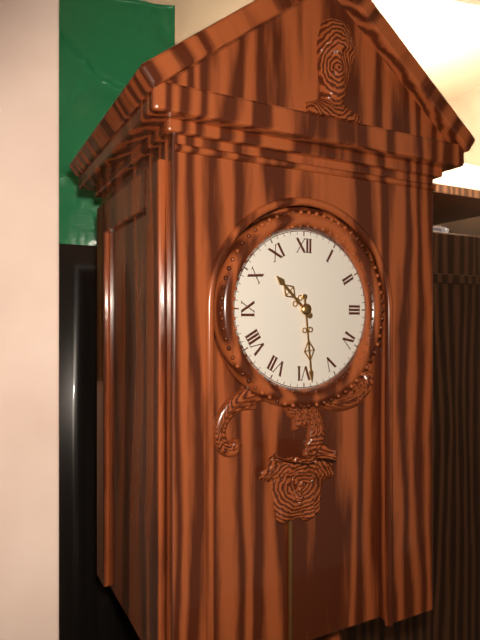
{"hour": 10, "minute": 29}
